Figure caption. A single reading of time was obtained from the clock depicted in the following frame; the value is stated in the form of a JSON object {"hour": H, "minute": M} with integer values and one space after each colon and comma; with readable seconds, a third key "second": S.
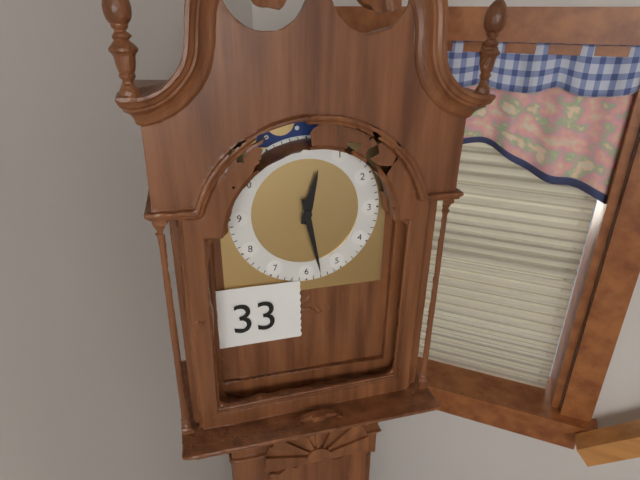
{"hour": 12, "minute": 28}
